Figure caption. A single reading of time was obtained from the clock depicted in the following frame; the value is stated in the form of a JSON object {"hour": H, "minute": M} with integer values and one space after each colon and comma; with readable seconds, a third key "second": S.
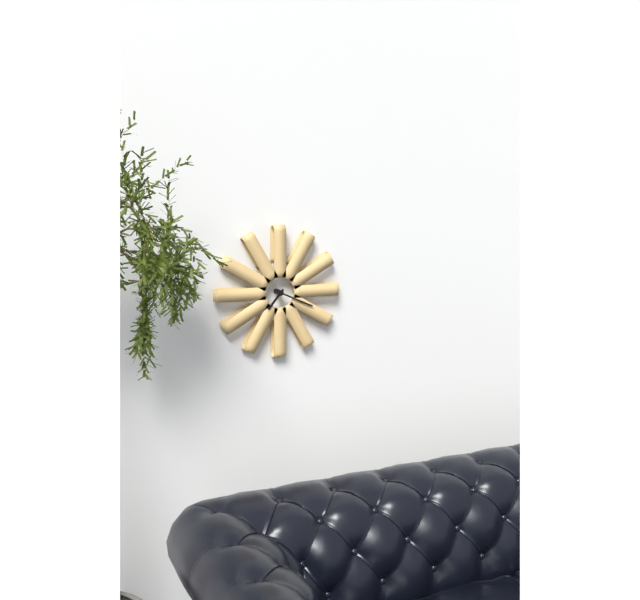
{"hour": 7, "minute": 19}
